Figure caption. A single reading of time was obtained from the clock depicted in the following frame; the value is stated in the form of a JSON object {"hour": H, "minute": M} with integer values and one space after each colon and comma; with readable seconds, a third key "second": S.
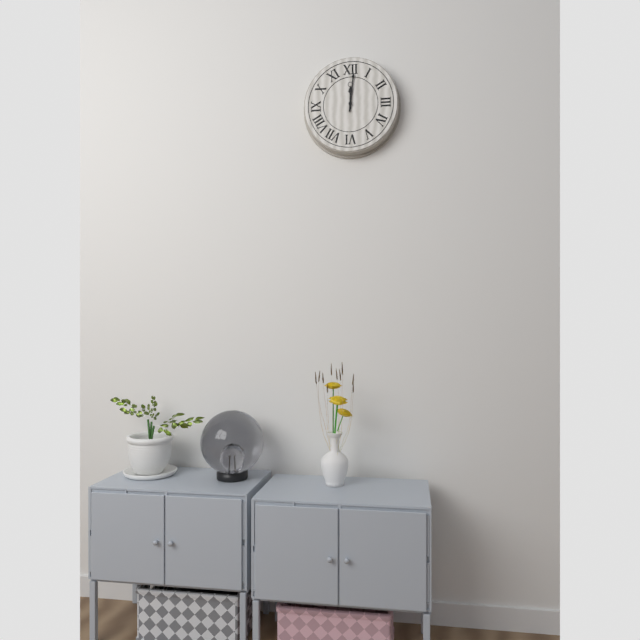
{"hour": 12, "minute": 1}
